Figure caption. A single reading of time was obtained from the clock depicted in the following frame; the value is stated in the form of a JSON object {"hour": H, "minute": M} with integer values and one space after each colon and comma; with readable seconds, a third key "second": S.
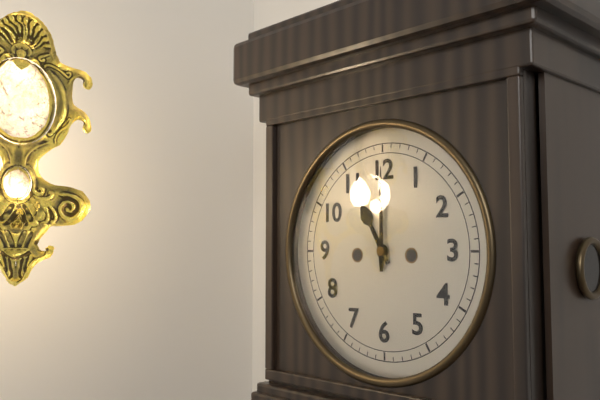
{"hour": 11, "minute": 0}
